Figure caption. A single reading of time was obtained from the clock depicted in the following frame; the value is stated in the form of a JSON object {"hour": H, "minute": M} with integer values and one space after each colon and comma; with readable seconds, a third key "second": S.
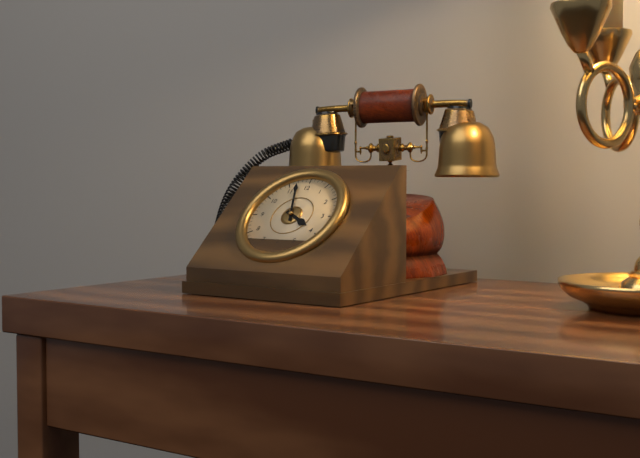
{"hour": 3, "minute": 57}
